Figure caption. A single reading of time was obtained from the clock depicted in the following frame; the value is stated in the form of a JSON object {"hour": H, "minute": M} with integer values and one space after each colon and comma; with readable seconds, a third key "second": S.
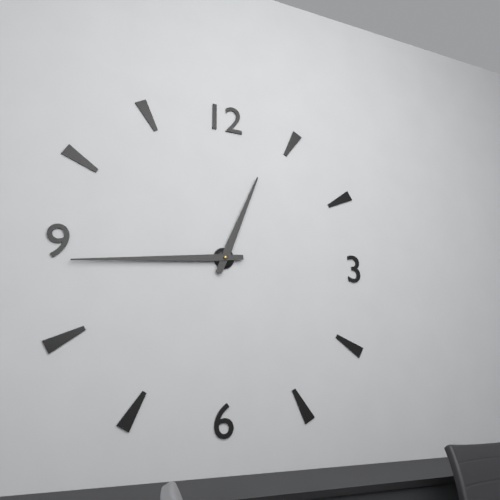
{"hour": 12, "minute": 44}
